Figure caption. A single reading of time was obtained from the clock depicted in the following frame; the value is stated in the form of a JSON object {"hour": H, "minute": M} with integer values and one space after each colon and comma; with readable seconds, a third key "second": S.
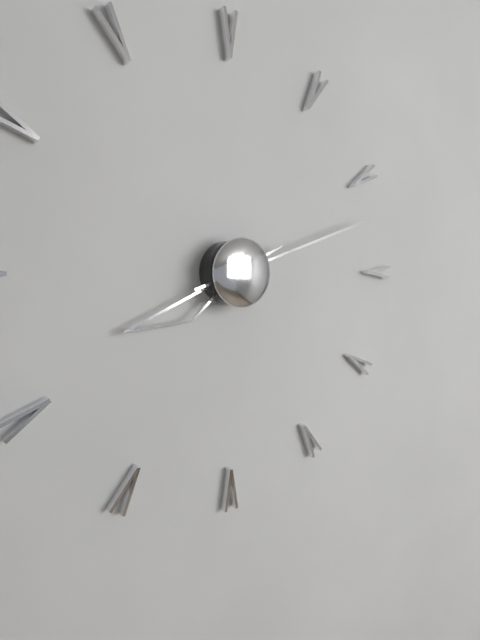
{"hour": 8, "minute": 12}
